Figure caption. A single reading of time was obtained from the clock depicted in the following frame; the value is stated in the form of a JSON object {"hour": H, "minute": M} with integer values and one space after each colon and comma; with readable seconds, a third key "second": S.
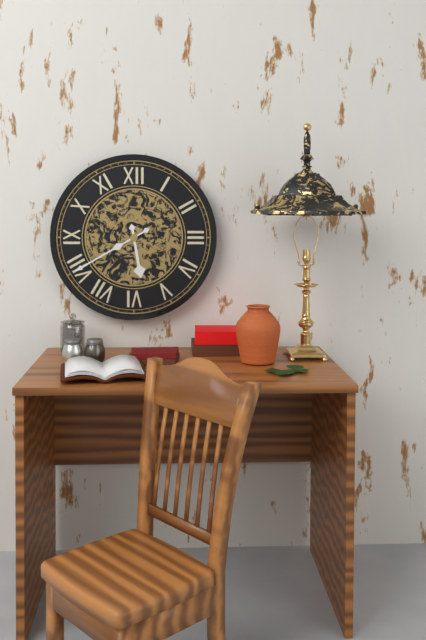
{"hour": 5, "minute": 40}
